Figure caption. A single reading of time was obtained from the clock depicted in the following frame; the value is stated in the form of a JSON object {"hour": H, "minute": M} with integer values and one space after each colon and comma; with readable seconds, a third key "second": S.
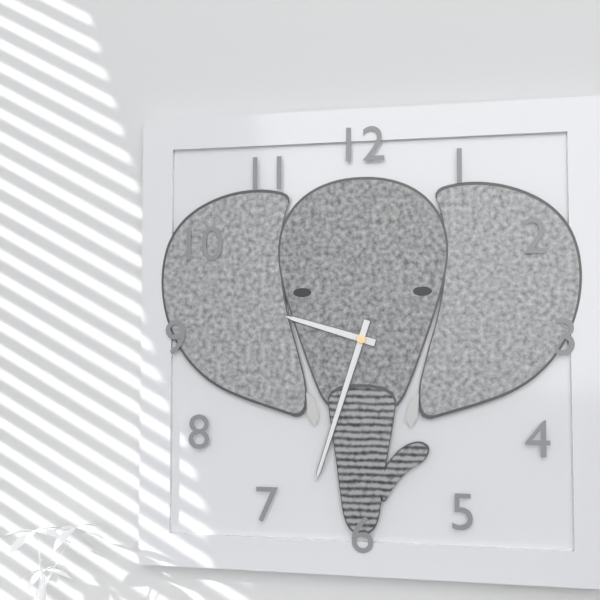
{"hour": 9, "minute": 33}
